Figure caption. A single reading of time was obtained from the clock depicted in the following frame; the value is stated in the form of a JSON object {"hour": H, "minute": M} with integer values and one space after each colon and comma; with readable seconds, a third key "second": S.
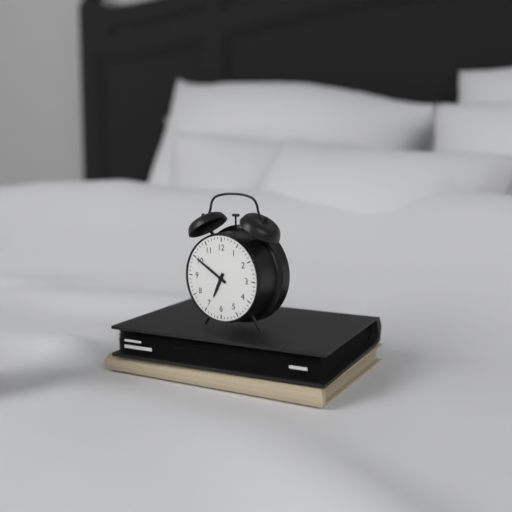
{"hour": 6, "minute": 50}
